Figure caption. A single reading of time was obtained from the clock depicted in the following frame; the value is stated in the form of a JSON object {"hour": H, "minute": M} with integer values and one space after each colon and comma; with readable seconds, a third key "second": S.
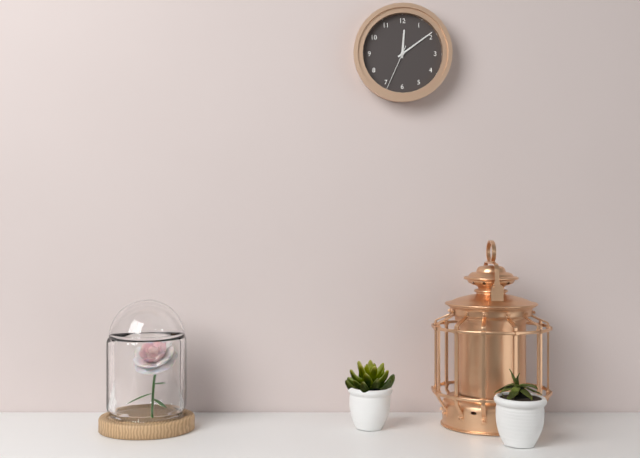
{"hour": 12, "minute": 9}
